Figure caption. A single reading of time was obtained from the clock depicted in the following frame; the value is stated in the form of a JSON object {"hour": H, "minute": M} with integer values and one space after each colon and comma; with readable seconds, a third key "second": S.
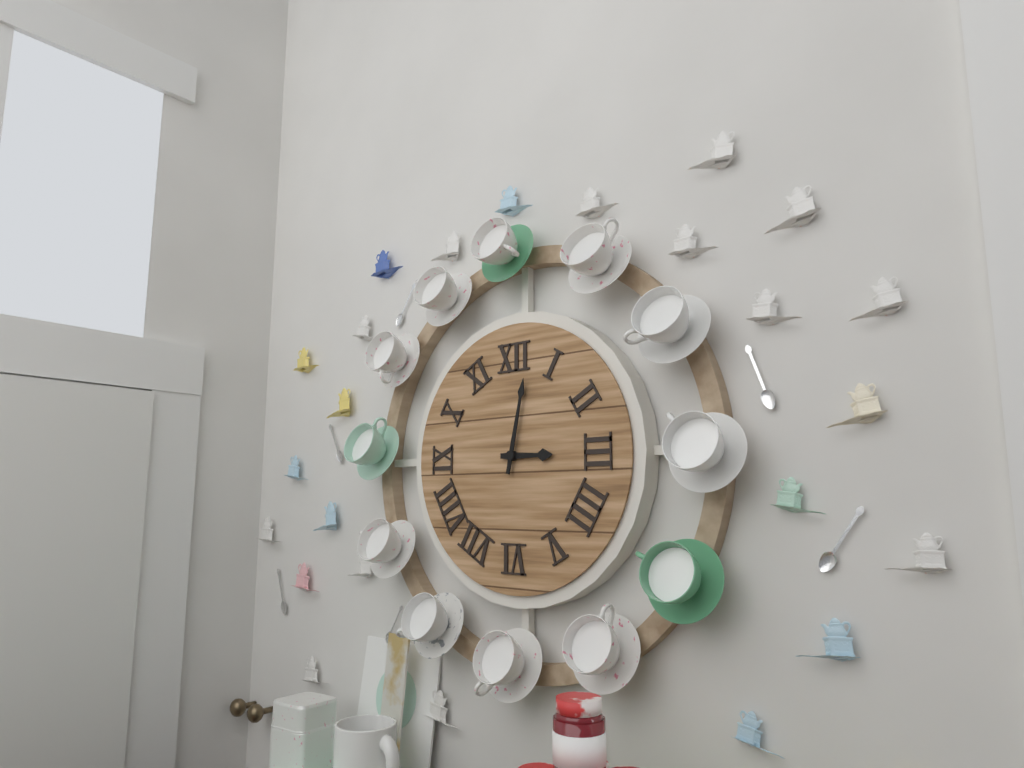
{"hour": 3, "minute": 2}
